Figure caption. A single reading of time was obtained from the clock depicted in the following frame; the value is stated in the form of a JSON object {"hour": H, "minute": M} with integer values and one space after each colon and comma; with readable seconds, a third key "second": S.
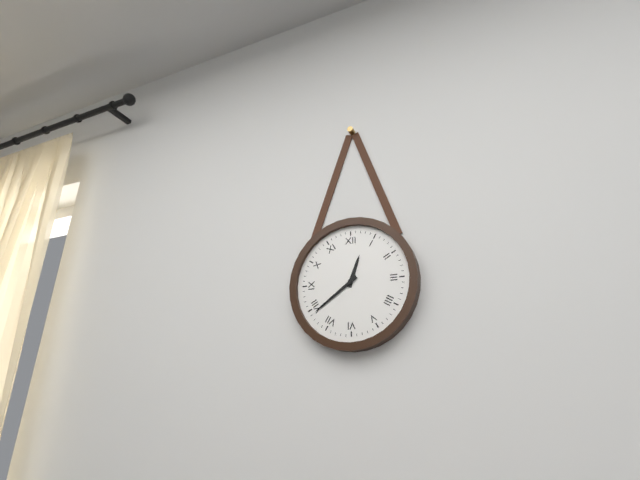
{"hour": 12, "minute": 39}
